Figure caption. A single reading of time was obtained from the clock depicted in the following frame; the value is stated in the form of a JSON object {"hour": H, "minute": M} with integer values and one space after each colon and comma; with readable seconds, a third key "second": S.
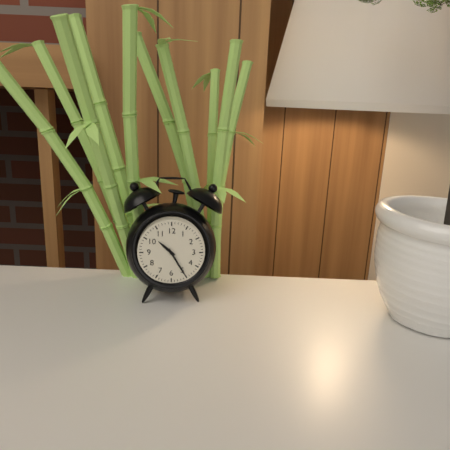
{"hour": 10, "minute": 25}
